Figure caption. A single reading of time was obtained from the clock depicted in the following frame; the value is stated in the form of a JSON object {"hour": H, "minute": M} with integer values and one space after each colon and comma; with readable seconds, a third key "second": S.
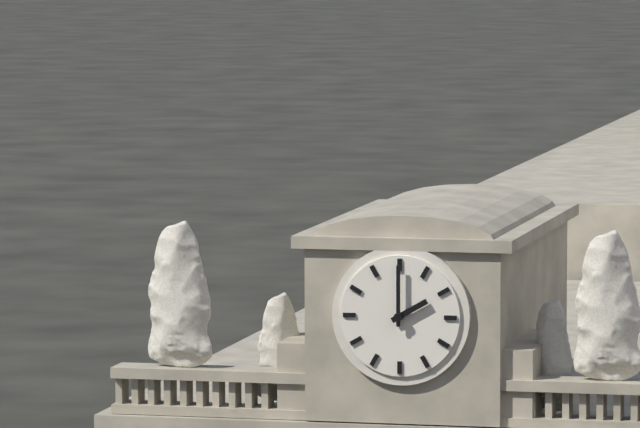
{"hour": 2, "minute": 0}
